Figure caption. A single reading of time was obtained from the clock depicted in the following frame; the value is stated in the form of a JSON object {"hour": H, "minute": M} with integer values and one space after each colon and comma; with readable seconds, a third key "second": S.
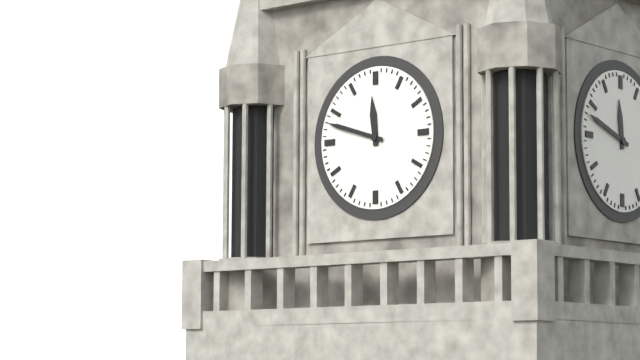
{"hour": 11, "minute": 48}
